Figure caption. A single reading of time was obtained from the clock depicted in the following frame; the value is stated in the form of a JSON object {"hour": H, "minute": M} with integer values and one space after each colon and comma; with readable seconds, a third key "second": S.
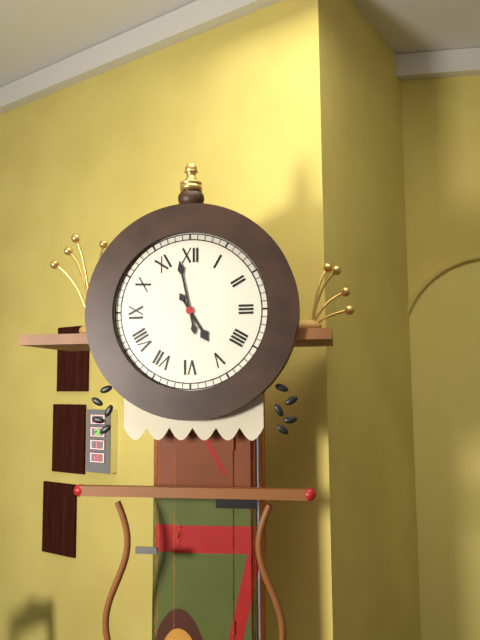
{"hour": 4, "minute": 58}
